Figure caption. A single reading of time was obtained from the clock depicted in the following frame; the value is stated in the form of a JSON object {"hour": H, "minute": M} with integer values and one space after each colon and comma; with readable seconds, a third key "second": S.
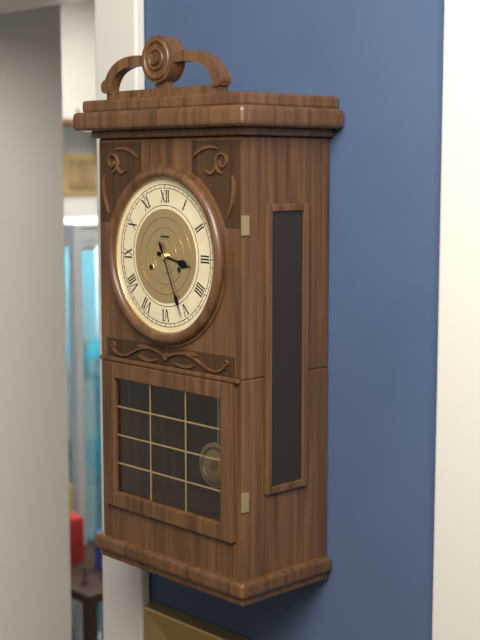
{"hour": 3, "minute": 26}
